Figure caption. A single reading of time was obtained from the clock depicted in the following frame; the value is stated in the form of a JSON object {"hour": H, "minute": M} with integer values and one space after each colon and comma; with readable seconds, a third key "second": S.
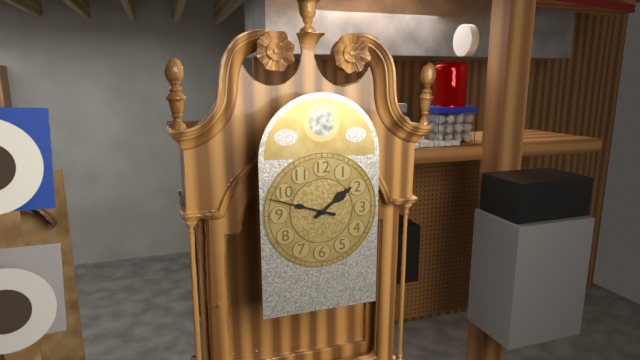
{"hour": 1, "minute": 48}
